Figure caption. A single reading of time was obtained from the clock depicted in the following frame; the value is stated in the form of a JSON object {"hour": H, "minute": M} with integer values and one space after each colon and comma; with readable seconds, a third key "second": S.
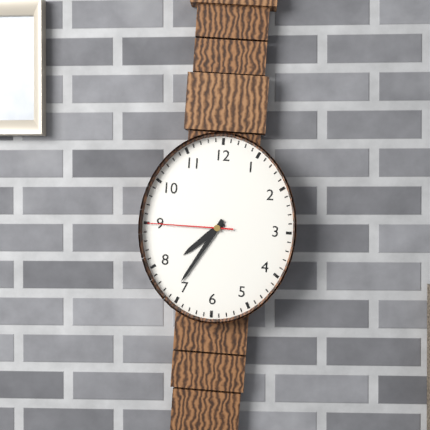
{"hour": 7, "minute": 35, "second": 45}
